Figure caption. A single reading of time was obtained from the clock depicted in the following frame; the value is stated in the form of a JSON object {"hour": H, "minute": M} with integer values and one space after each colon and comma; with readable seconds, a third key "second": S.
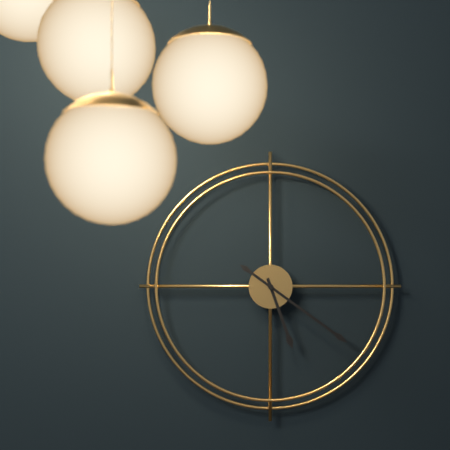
{"hour": 5, "minute": 21}
